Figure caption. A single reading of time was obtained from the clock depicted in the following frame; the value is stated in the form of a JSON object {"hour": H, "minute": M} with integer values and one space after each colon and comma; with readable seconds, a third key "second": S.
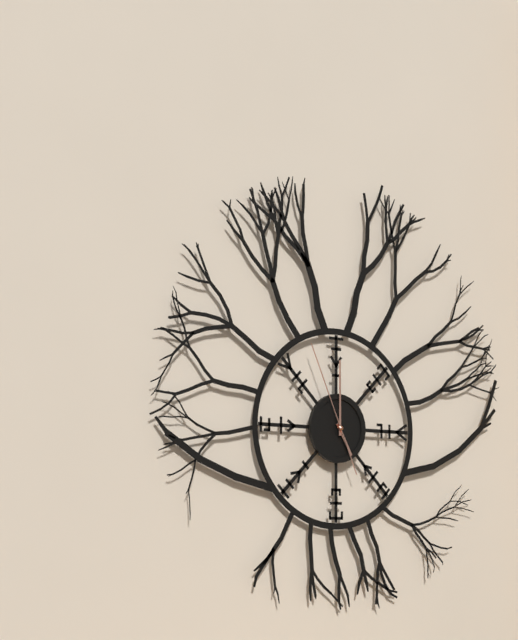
{"hour": 5, "minute": 0, "second": 56}
